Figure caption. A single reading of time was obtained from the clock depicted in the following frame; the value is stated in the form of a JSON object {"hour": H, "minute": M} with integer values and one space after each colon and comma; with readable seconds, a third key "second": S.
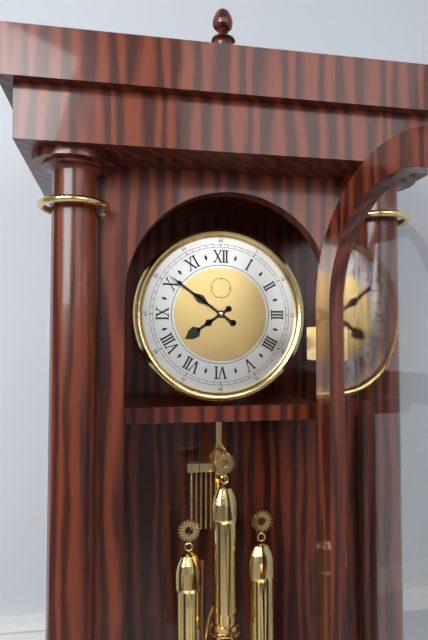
{"hour": 7, "minute": 51}
